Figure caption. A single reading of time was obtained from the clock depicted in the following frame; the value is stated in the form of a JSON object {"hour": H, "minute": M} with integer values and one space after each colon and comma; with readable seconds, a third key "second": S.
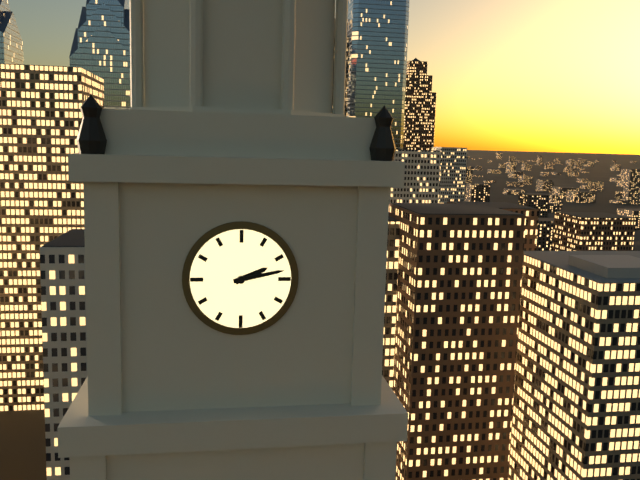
{"hour": 2, "minute": 13}
